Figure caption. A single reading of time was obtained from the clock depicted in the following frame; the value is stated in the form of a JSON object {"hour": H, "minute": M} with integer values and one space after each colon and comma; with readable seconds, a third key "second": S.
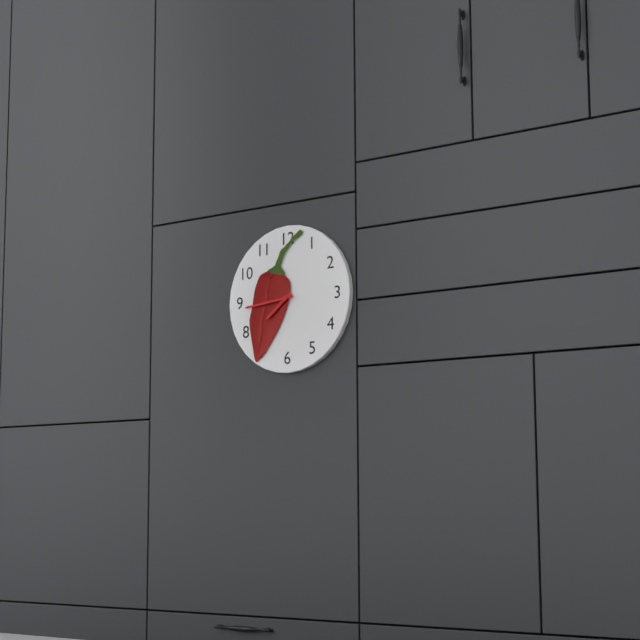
{"hour": 7, "minute": 44}
